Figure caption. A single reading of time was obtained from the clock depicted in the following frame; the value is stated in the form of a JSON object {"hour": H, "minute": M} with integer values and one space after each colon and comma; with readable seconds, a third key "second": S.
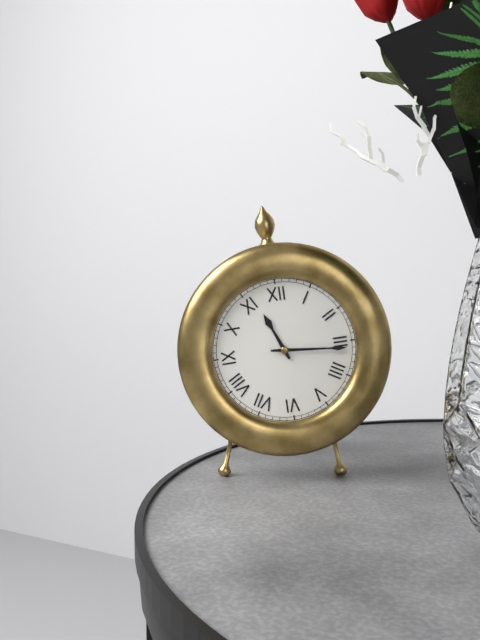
{"hour": 11, "minute": 16}
